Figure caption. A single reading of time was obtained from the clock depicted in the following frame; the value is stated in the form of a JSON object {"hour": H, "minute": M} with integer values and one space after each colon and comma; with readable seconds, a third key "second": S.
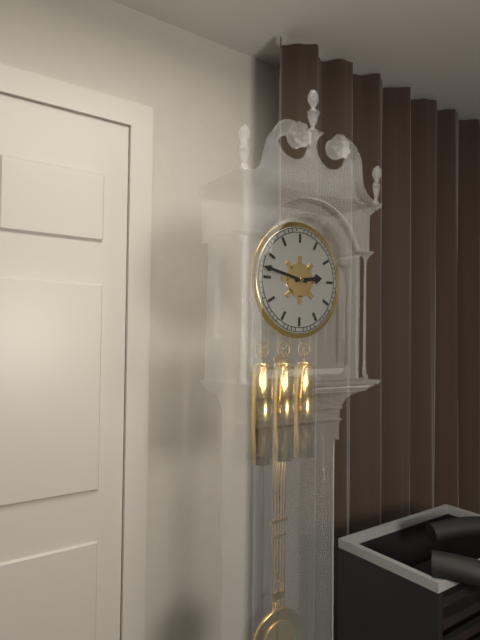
{"hour": 2, "minute": 47}
